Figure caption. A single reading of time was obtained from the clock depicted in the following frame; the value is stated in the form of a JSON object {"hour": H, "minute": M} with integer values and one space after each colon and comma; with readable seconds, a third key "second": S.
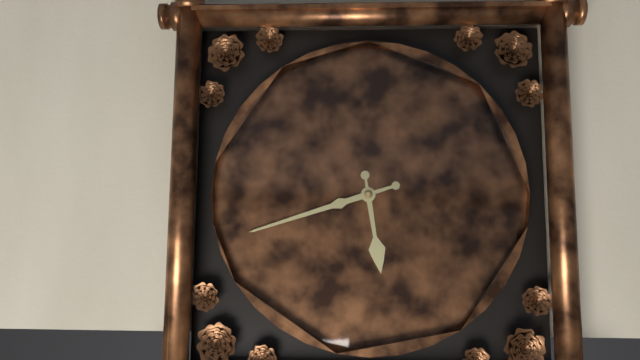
{"hour": 5, "minute": 42}
